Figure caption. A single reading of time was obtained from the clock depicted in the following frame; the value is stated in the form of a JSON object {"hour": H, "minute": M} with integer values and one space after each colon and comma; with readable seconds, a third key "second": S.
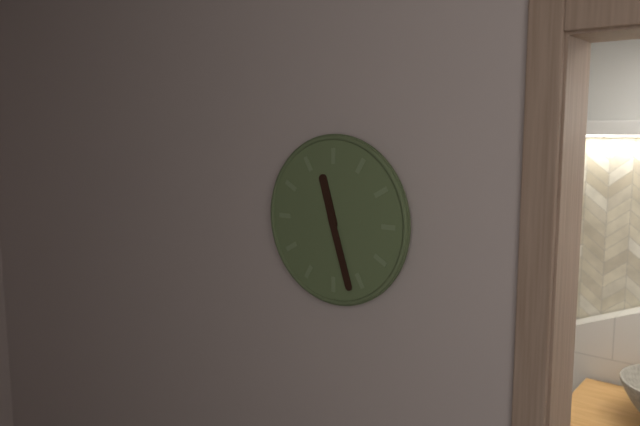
{"hour": 11, "minute": 27}
